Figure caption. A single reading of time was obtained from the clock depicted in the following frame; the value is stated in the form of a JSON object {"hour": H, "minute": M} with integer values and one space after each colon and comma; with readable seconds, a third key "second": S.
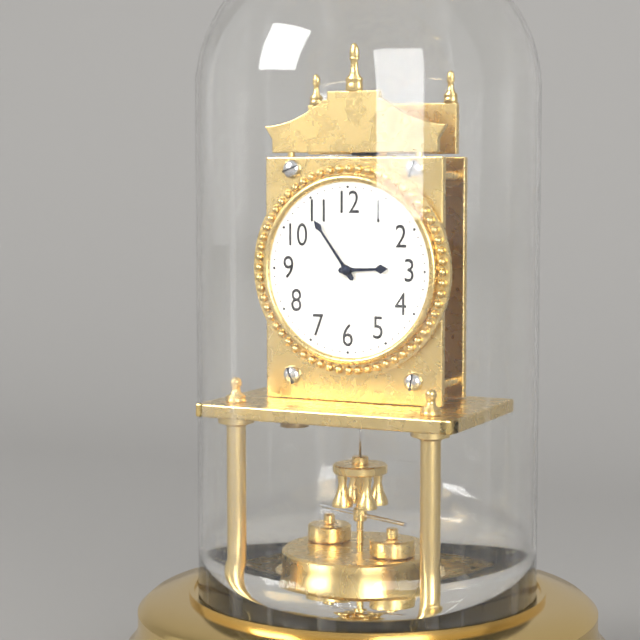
{"hour": 2, "minute": 54}
